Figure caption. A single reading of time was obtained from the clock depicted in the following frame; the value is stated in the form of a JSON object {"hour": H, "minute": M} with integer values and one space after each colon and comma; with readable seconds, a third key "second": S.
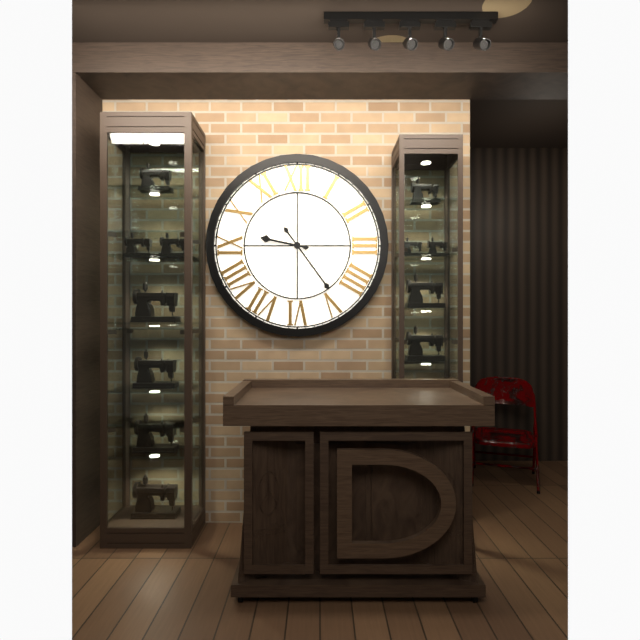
{"hour": 9, "minute": 24}
